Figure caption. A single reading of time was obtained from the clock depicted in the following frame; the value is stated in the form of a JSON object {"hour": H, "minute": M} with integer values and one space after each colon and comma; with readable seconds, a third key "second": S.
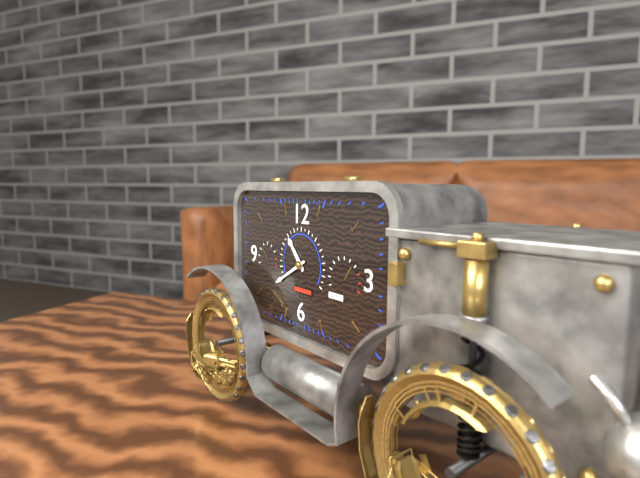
{"hour": 10, "minute": 40}
